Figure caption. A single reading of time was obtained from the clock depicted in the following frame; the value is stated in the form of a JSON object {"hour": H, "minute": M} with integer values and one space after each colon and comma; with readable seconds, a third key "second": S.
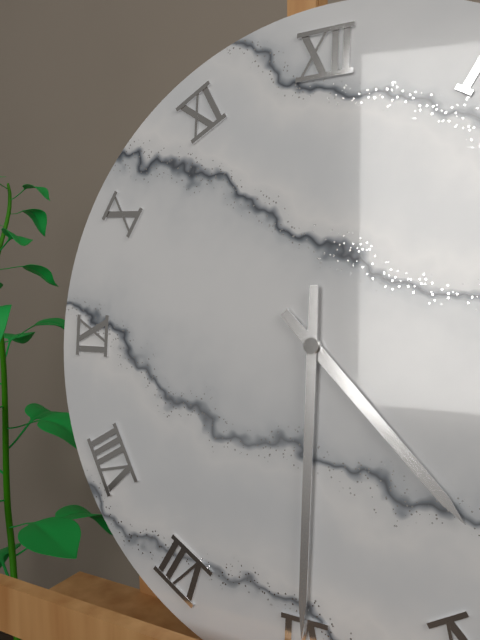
{"hour": 4, "minute": 30}
